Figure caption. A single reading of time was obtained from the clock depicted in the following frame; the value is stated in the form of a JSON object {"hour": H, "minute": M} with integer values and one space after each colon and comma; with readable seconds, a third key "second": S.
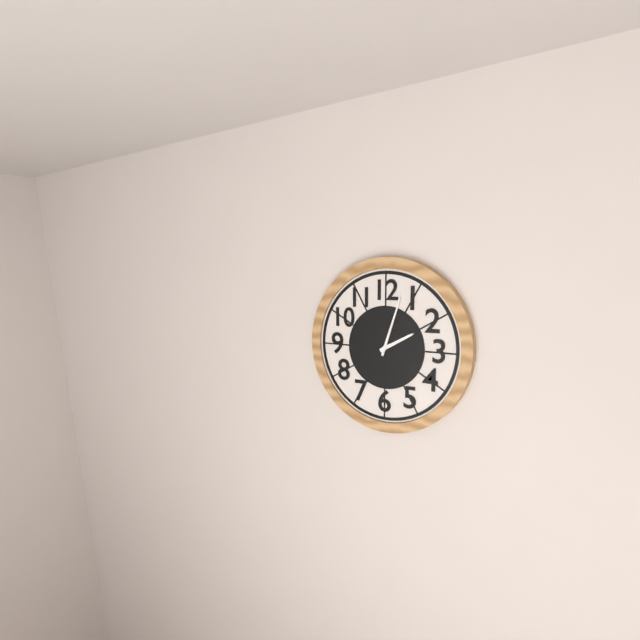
{"hour": 2, "minute": 3}
